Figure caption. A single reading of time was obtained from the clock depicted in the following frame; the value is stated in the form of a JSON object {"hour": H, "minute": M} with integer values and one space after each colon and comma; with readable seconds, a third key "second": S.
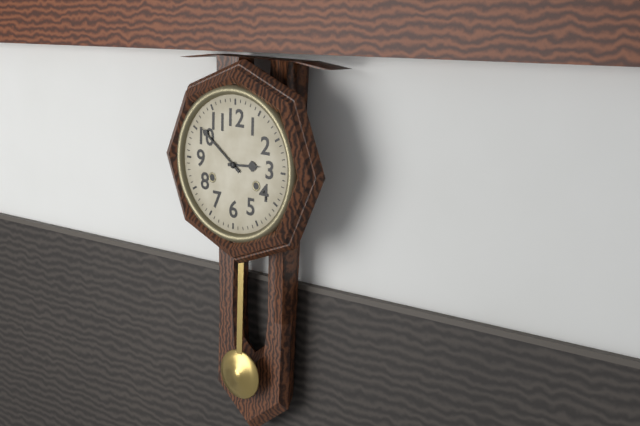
{"hour": 2, "minute": 51}
